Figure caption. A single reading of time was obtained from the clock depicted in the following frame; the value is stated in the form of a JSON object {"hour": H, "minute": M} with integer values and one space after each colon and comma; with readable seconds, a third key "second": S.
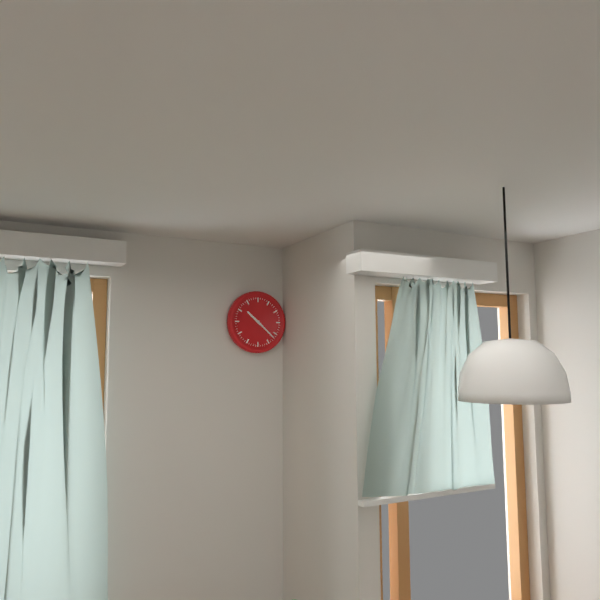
{"hour": 10, "minute": 22}
